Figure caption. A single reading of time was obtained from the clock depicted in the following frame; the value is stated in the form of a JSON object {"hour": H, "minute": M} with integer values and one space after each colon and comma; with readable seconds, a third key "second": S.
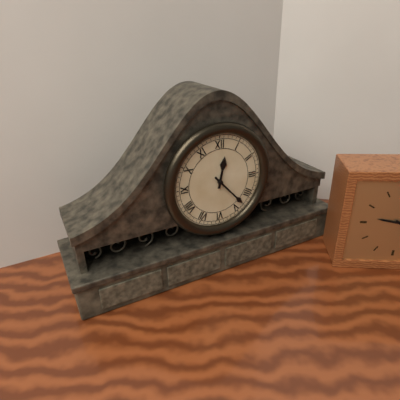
{"hour": 12, "minute": 23}
